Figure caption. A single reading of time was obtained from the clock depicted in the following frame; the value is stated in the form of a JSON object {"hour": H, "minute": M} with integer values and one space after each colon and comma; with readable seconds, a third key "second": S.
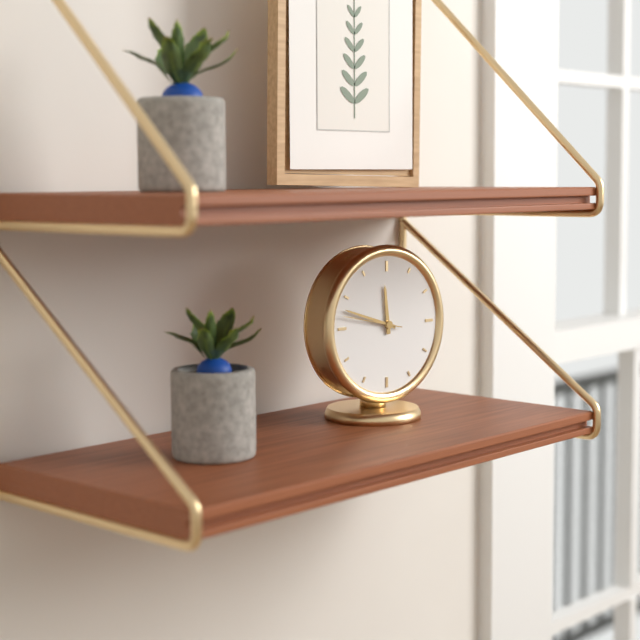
{"hour": 11, "minute": 48, "second": 47}
